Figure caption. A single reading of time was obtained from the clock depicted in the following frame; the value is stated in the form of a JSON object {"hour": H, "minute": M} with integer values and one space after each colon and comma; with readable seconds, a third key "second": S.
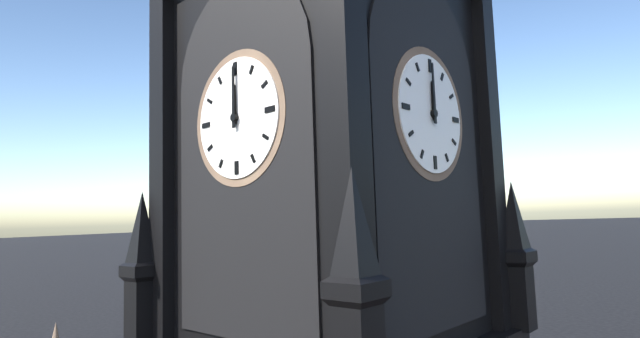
{"hour": 12, "minute": 0}
